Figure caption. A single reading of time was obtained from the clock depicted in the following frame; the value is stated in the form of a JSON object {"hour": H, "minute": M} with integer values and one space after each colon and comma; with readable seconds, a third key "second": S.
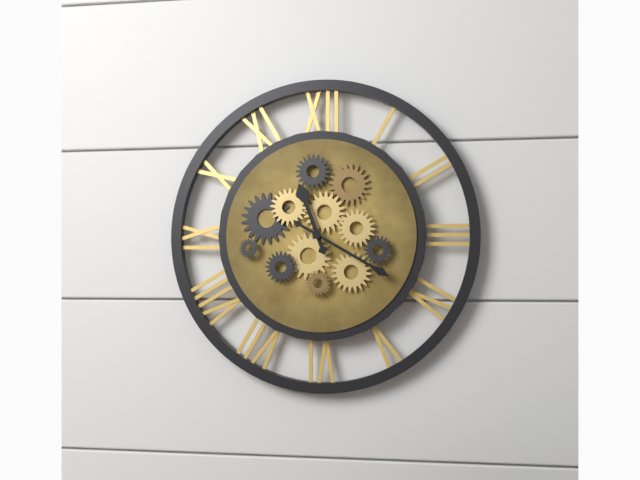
{"hour": 11, "minute": 20}
